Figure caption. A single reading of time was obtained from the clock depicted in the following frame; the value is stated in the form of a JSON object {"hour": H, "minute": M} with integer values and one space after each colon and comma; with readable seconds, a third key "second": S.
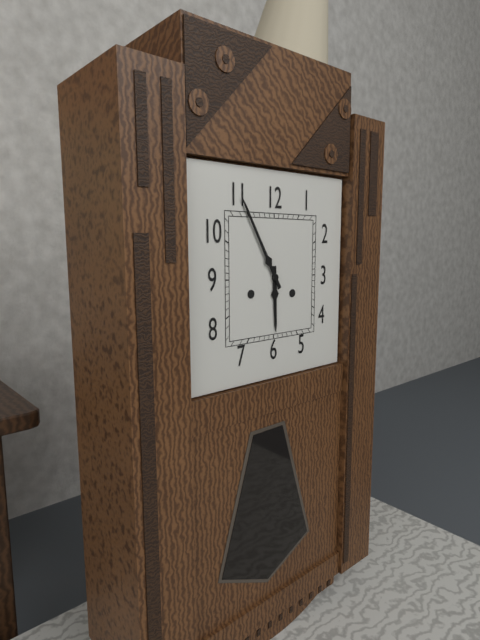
{"hour": 5, "minute": 55}
